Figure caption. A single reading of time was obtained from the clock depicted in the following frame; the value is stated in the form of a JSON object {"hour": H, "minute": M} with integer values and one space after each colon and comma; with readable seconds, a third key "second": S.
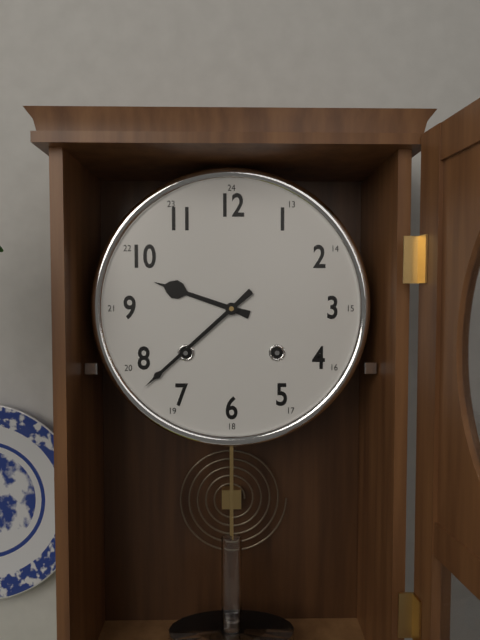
{"hour": 9, "minute": 38}
